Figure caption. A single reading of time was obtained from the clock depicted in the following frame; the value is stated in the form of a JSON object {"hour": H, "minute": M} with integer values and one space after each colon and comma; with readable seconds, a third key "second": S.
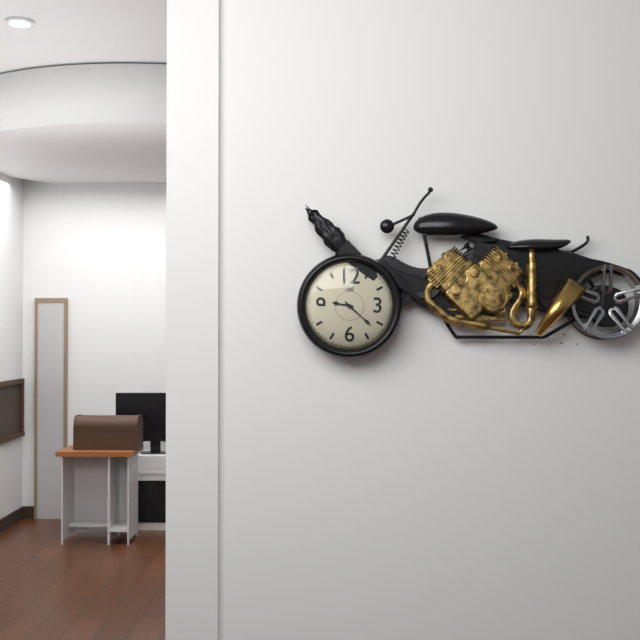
{"hour": 9, "minute": 22}
